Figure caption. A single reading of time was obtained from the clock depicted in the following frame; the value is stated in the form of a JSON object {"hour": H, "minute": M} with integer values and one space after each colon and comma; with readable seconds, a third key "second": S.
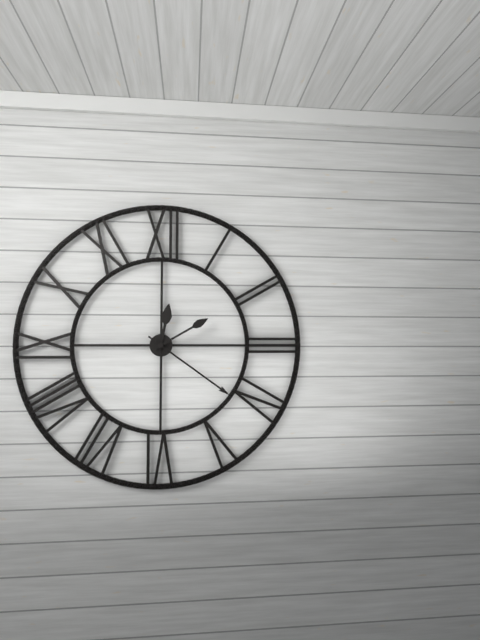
{"hour": 12, "minute": 21, "second": 10}
